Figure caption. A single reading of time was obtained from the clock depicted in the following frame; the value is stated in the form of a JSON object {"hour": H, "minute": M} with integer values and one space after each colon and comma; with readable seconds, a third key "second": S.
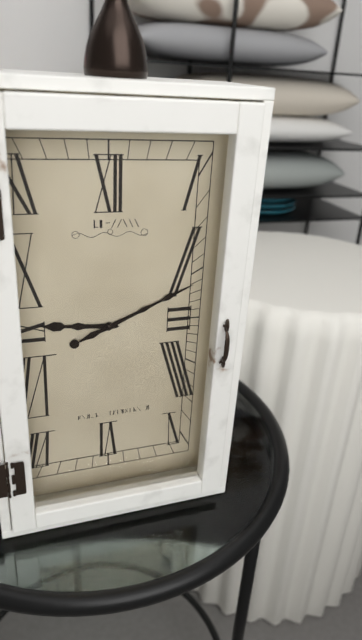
{"hour": 9, "minute": 11}
